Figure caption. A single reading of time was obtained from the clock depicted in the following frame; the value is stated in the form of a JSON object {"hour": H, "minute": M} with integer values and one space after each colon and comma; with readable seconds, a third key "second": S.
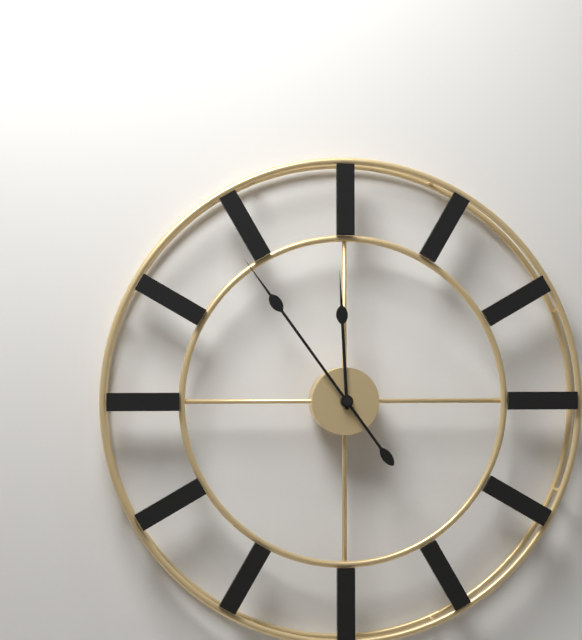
{"hour": 11, "minute": 54}
